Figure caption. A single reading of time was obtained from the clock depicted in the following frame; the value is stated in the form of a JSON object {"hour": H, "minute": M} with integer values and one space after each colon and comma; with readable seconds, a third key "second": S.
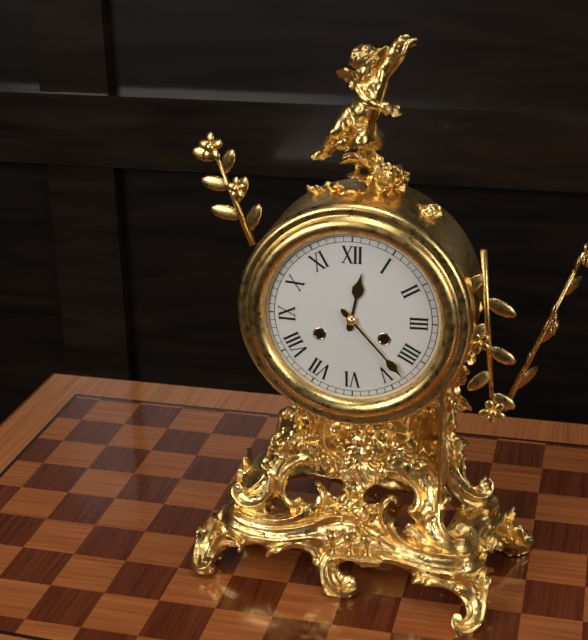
{"hour": 12, "minute": 23}
